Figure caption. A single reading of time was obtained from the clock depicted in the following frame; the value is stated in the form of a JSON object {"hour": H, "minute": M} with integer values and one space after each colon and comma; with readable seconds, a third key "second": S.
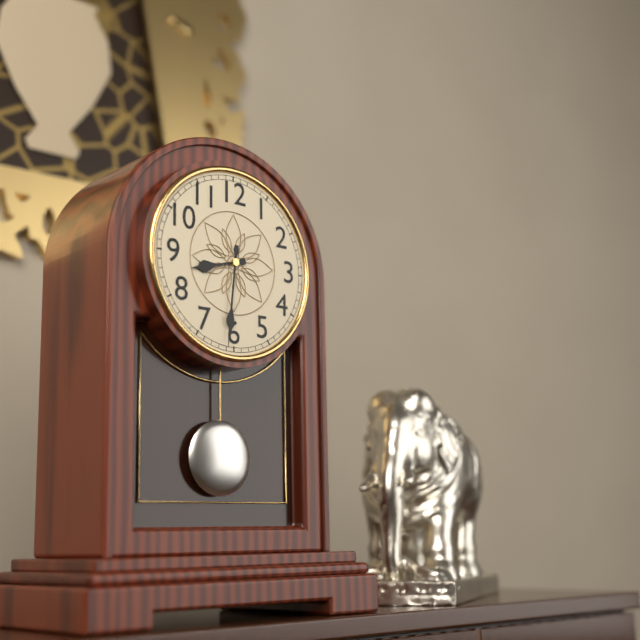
{"hour": 8, "minute": 31}
